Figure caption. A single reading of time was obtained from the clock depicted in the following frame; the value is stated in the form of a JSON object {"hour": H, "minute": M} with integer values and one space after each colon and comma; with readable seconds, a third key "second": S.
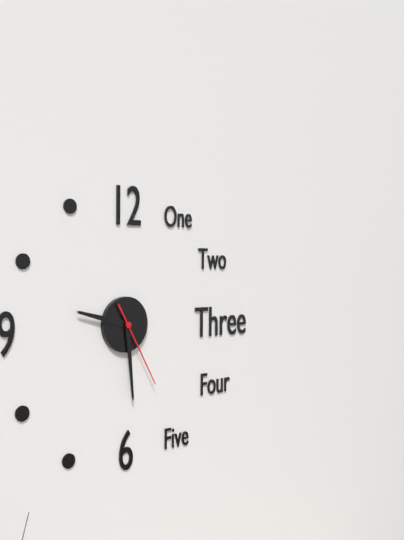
{"hour": 9, "minute": 29, "second": 25}
